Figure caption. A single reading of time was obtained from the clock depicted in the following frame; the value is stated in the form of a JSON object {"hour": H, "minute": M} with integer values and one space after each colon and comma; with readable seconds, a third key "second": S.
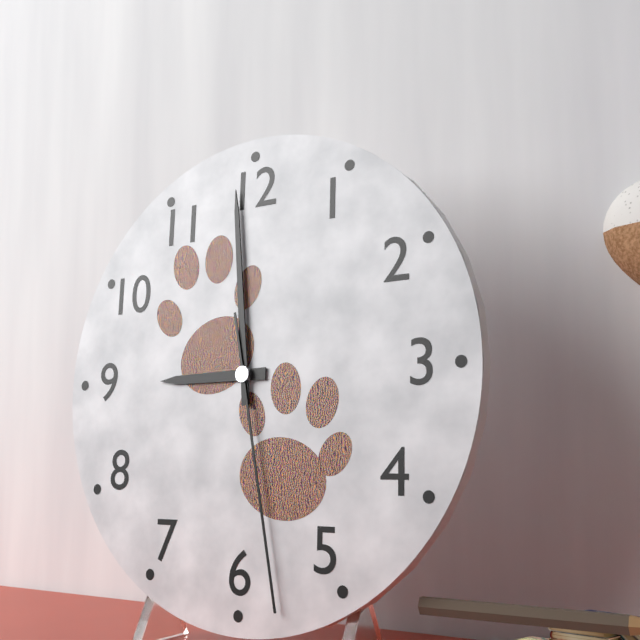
{"hour": 8, "minute": 59, "second": 28}
